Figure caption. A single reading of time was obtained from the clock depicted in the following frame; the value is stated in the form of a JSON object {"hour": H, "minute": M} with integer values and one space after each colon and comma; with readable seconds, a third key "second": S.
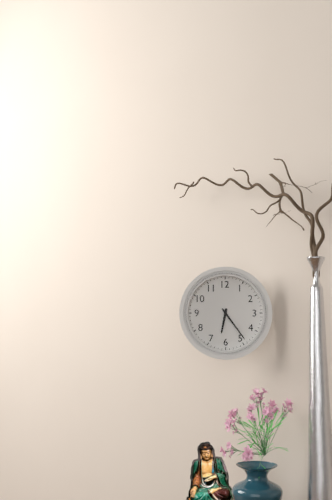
{"hour": 6, "minute": 24}
